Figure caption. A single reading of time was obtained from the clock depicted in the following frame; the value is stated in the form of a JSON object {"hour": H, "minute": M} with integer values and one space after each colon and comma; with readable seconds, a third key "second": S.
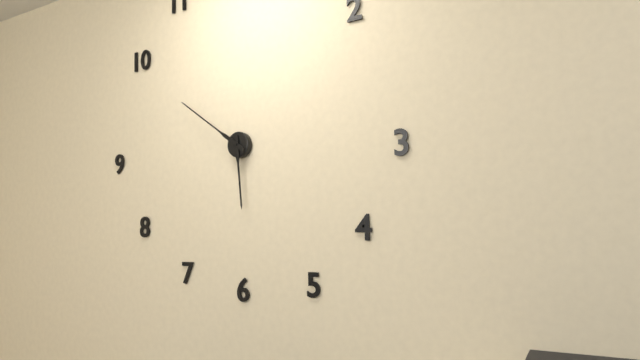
{"hour": 5, "minute": 51}
